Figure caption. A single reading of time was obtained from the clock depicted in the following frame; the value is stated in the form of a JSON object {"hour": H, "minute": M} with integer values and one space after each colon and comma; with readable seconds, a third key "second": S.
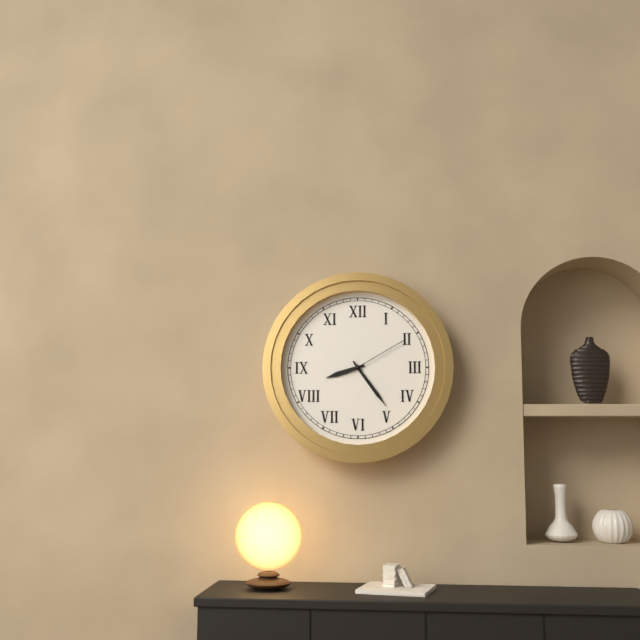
{"hour": 8, "minute": 24, "second": 10}
